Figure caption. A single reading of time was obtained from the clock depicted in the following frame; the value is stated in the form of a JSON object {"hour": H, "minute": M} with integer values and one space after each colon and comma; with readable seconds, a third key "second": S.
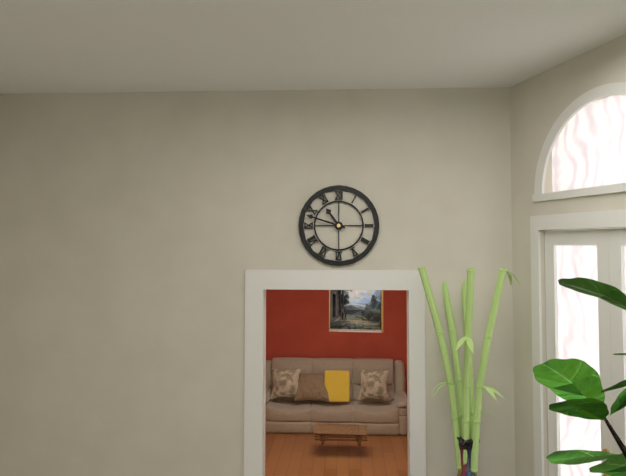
{"hour": 10, "minute": 48}
